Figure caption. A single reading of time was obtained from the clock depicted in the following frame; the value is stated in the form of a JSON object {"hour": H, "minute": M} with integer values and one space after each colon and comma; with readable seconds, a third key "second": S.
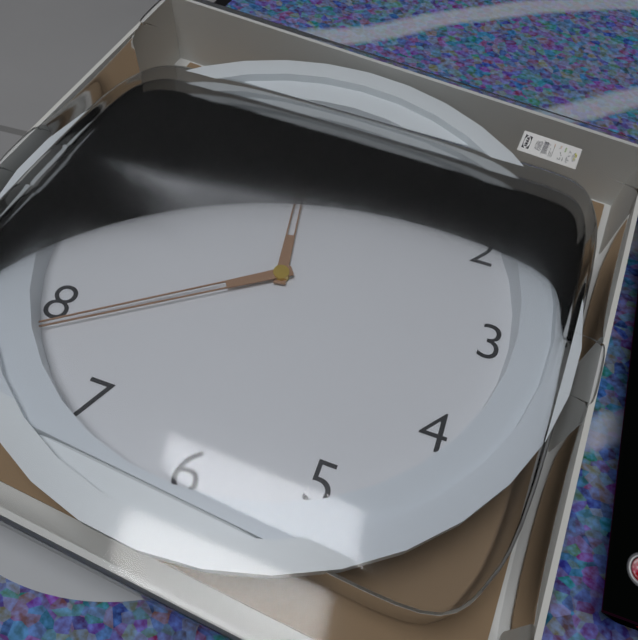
{"hour": 11, "minute": 39}
